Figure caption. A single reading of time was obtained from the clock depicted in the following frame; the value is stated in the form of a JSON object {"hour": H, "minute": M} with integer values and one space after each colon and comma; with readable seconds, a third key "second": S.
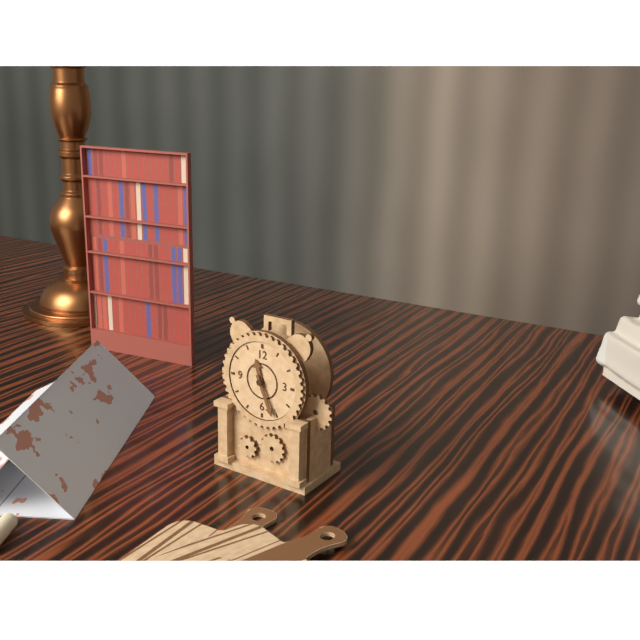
{"hour": 11, "minute": 26}
